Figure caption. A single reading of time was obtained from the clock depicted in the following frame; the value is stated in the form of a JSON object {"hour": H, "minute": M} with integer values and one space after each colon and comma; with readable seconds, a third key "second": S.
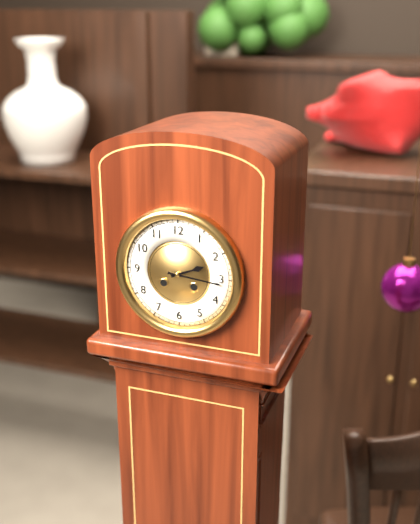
{"hour": 2, "minute": 16}
